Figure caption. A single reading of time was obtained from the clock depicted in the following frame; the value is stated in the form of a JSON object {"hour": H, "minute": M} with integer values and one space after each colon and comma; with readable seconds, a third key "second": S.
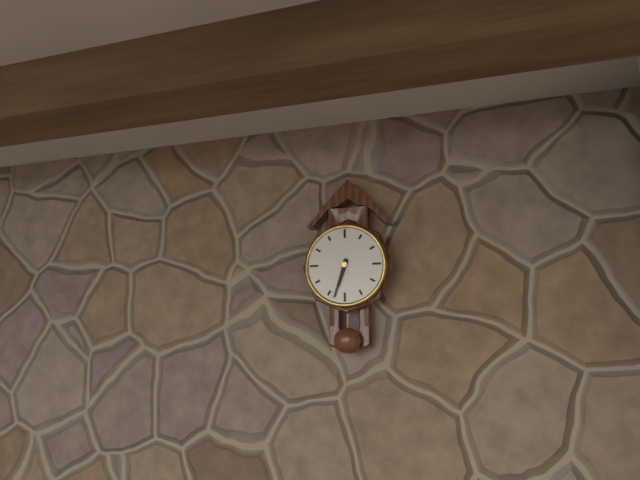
{"hour": 6, "minute": 33}
